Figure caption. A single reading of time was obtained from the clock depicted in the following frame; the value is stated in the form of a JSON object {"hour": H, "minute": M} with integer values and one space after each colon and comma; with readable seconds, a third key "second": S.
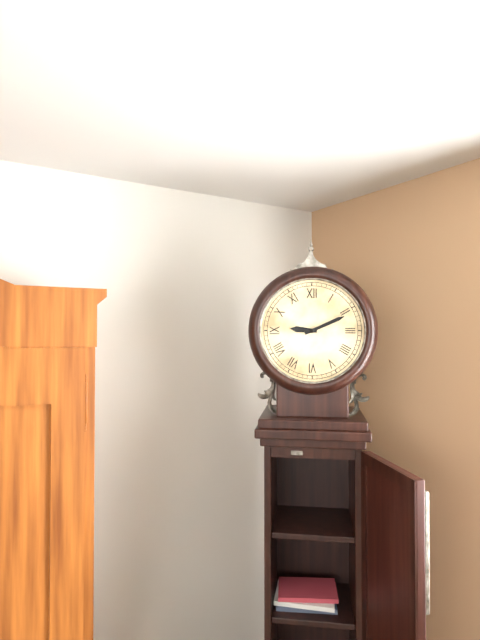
{"hour": 9, "minute": 11}
